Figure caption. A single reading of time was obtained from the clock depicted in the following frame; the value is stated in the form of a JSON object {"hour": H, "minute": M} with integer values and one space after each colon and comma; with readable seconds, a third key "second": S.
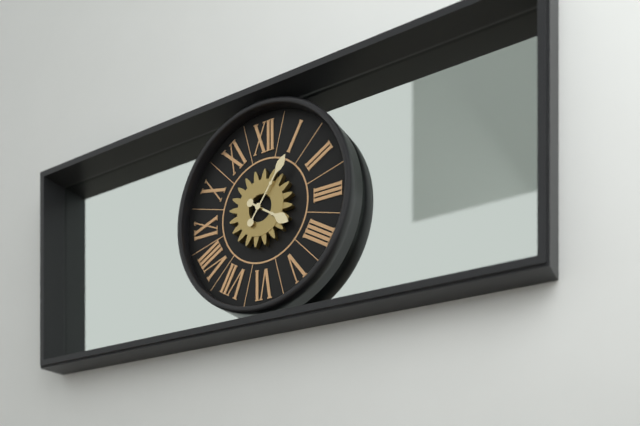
{"hour": 4, "minute": 6}
